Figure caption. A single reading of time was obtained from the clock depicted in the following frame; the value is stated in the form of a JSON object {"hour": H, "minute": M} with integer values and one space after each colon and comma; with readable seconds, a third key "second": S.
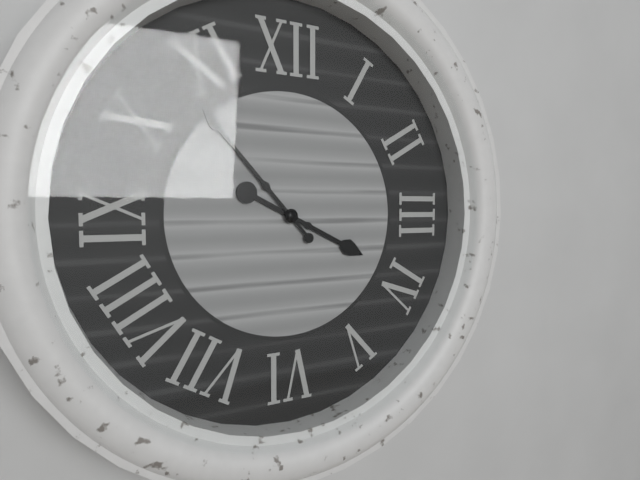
{"hour": 3, "minute": 53}
